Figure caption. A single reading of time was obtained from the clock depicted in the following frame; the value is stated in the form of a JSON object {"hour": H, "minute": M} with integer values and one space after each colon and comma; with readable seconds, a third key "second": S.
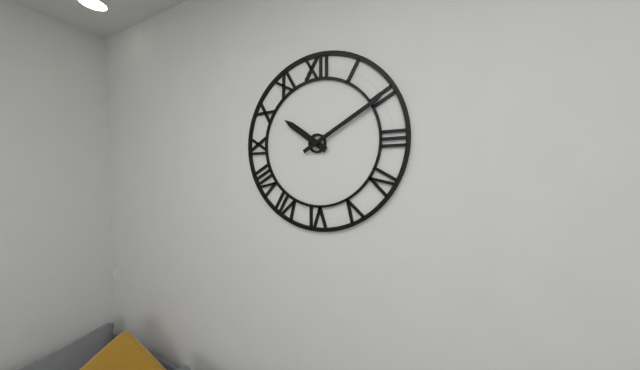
{"hour": 10, "minute": 10}
